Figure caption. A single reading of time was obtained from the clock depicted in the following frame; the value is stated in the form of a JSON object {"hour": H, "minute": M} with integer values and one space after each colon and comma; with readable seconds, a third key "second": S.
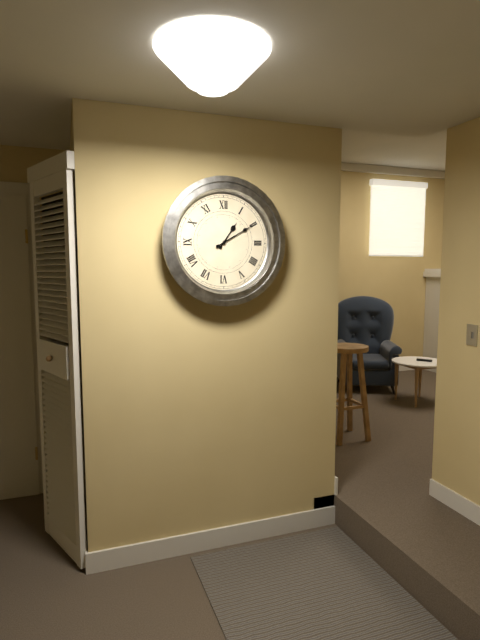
{"hour": 1, "minute": 10}
